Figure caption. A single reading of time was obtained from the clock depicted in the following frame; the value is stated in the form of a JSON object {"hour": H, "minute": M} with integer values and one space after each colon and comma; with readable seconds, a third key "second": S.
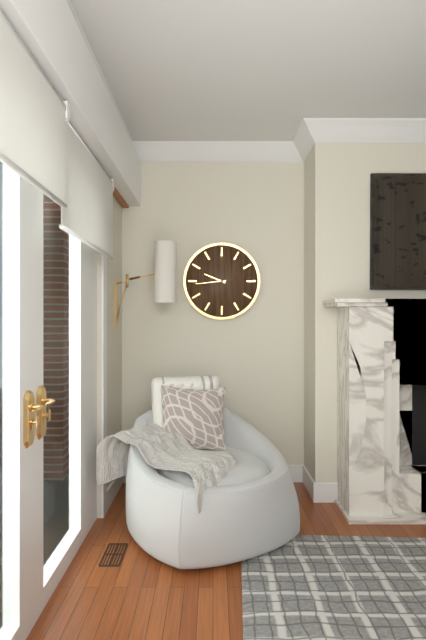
{"hour": 9, "minute": 44}
